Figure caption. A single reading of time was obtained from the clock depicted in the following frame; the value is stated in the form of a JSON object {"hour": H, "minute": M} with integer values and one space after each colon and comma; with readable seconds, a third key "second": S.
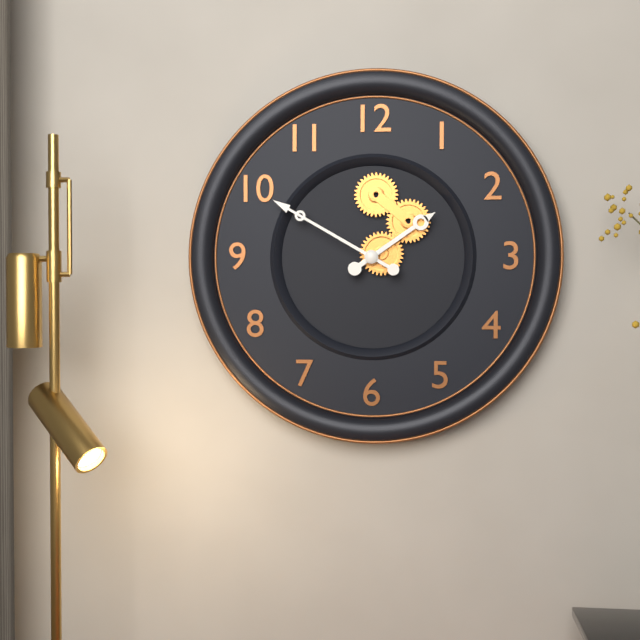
{"hour": 1, "minute": 50}
